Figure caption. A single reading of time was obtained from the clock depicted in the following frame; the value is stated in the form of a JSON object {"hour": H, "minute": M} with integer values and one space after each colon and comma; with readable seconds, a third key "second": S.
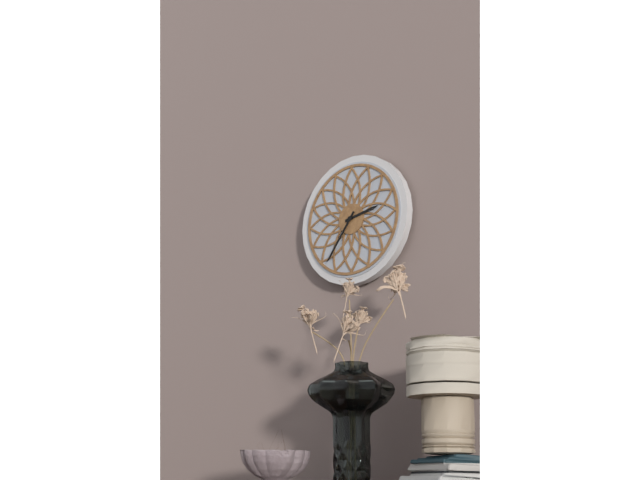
{"hour": 2, "minute": 36}
